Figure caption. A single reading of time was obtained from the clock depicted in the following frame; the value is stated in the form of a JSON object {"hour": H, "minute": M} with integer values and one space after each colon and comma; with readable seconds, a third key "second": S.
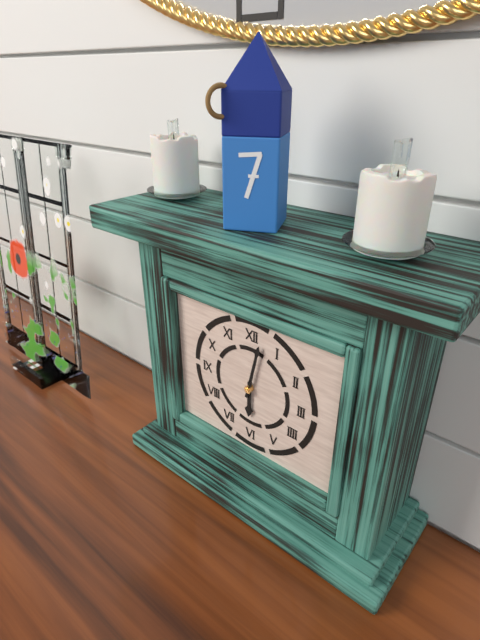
{"hour": 6, "minute": 2}
